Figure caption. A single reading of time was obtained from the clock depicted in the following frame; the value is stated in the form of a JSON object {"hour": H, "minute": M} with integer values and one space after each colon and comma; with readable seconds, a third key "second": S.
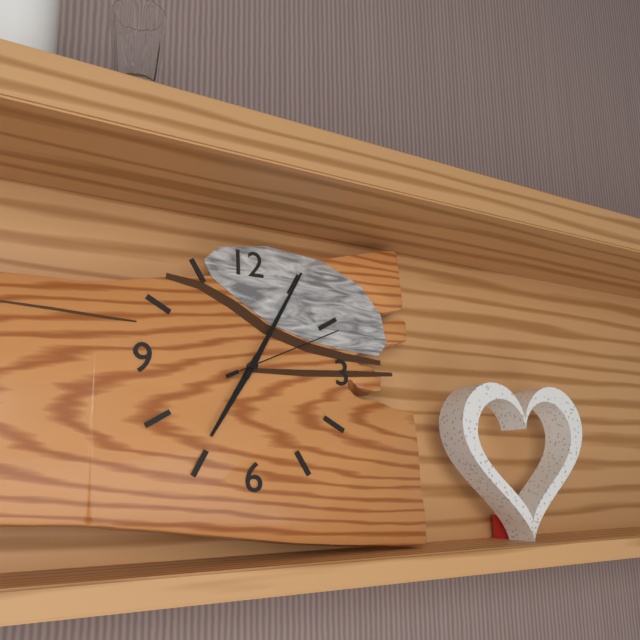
{"hour": 7, "minute": 5, "second": 11}
